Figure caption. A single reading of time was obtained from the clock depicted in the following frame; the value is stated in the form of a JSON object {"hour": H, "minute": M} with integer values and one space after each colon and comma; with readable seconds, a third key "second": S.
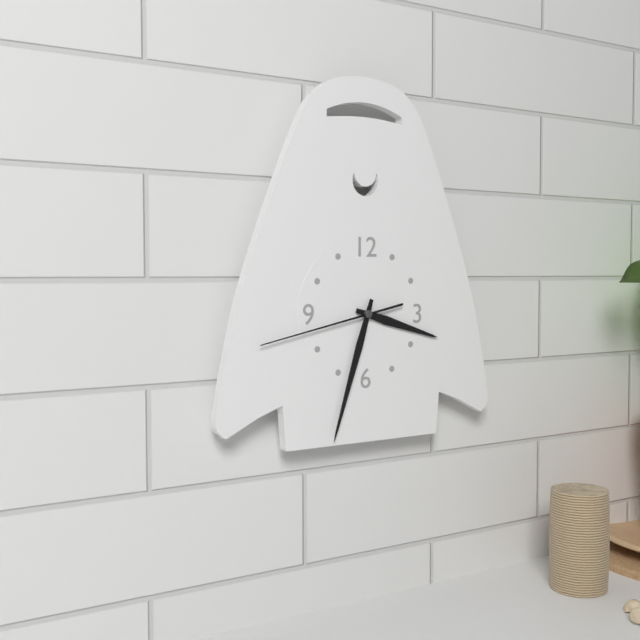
{"hour": 3, "minute": 33, "second": 43}
